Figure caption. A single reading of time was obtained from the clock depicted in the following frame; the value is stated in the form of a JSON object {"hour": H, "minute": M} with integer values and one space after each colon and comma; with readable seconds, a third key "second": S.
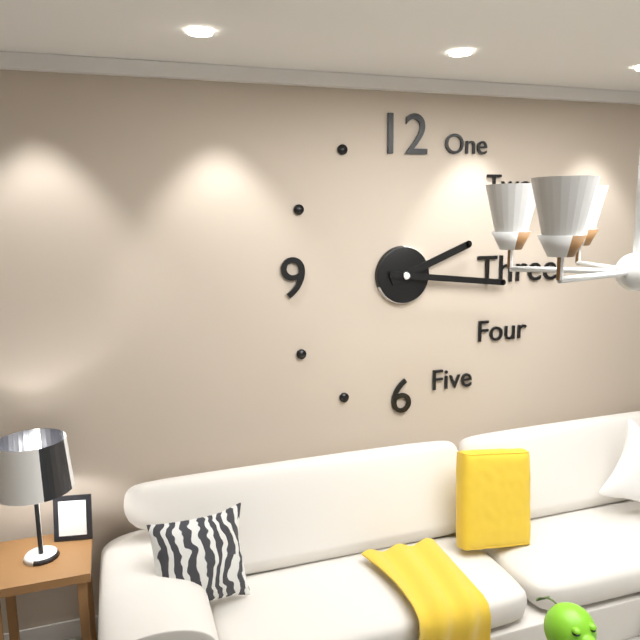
{"hour": 2, "minute": 16}
